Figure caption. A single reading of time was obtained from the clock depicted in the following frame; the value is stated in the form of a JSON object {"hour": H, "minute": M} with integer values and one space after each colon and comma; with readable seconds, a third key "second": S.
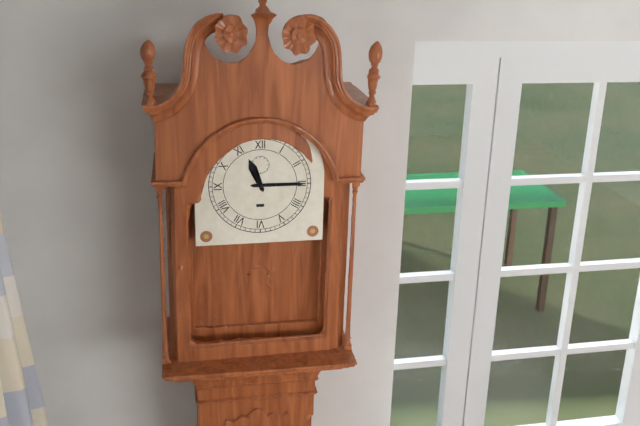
{"hour": 11, "minute": 15}
